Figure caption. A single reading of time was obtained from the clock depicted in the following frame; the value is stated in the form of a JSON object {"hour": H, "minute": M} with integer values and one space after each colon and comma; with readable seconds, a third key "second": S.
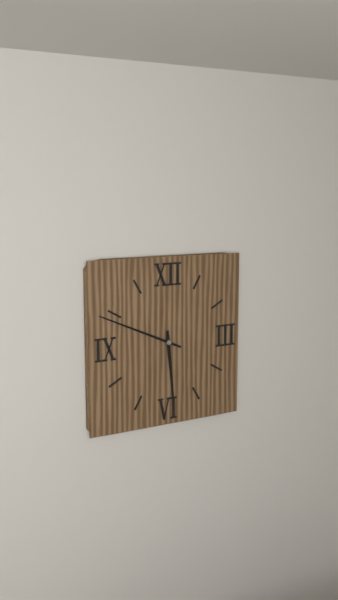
{"hour": 5, "minute": 49}
